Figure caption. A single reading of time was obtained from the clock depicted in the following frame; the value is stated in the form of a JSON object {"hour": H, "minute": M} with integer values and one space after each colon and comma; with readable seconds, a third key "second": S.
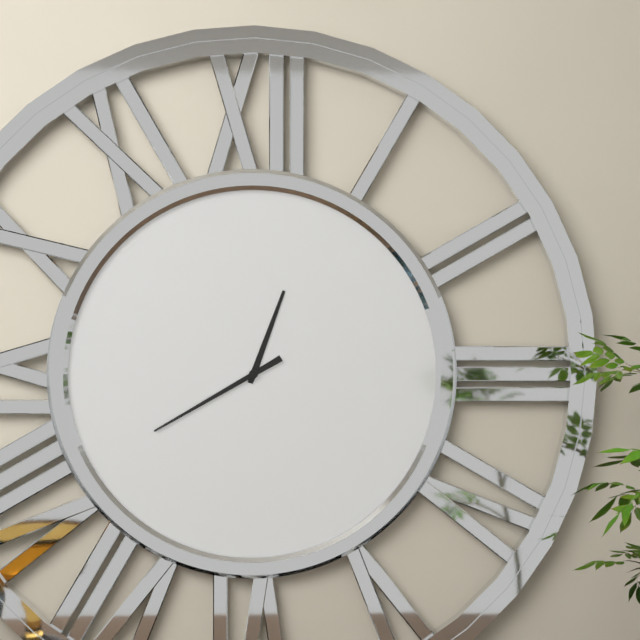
{"hour": 12, "minute": 40}
